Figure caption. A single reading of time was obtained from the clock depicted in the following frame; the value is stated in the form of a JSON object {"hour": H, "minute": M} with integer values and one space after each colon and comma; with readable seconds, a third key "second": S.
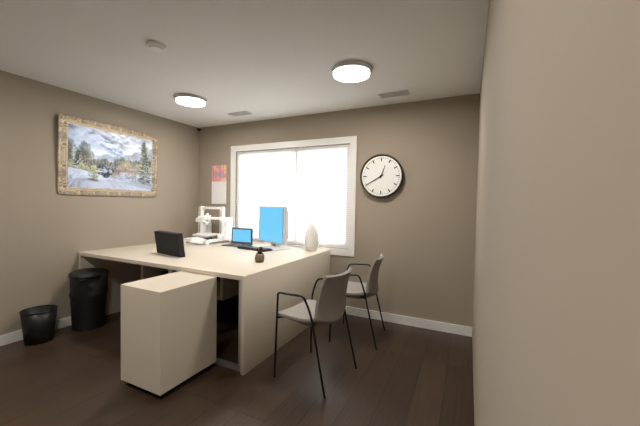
{"hour": 12, "minute": 40}
